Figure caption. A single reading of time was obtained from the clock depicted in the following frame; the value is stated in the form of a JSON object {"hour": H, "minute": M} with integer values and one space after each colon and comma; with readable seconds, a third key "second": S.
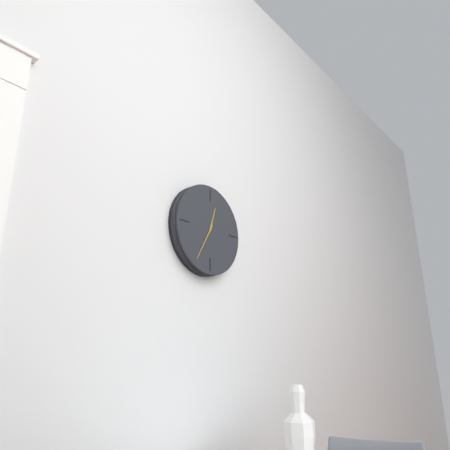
{"hour": 12, "minute": 35}
